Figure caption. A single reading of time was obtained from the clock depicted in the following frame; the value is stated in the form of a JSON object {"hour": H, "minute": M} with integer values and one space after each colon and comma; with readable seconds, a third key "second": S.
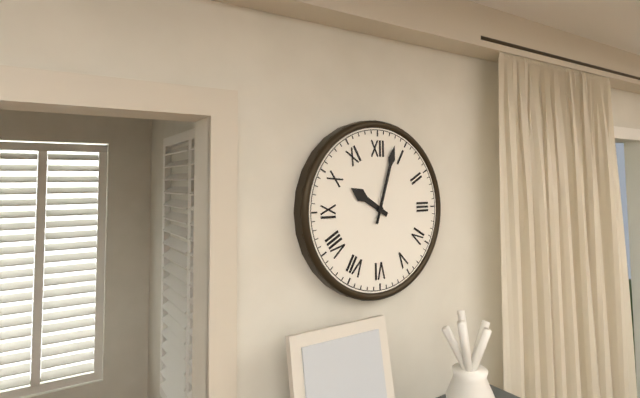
{"hour": 10, "minute": 3}
